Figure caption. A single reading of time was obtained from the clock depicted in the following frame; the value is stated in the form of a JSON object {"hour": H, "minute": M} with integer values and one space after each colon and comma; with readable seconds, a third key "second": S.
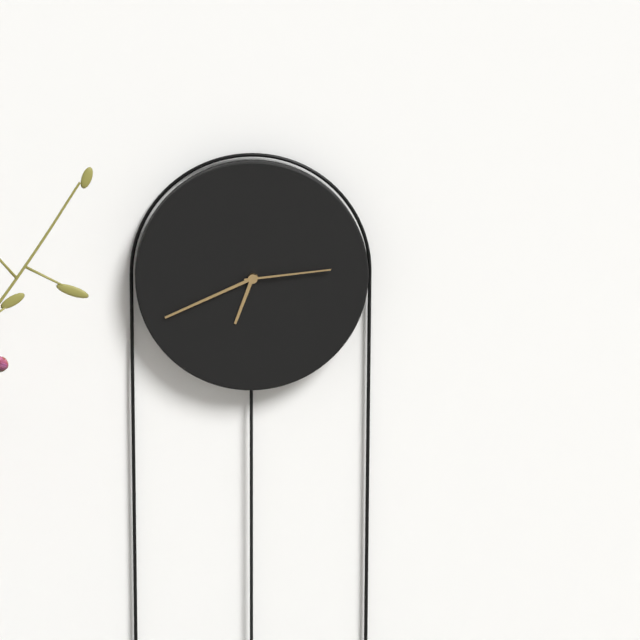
{"hour": 6, "minute": 41, "second": 14}
